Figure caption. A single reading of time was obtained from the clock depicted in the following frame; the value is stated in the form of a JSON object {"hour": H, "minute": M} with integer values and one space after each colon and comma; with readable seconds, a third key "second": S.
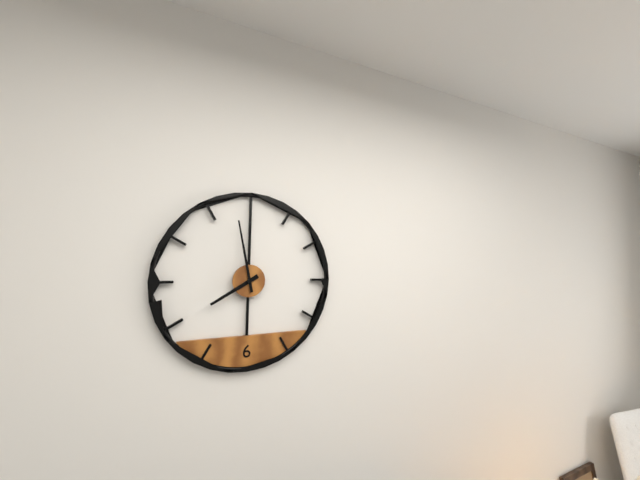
{"hour": 7, "minute": 58}
